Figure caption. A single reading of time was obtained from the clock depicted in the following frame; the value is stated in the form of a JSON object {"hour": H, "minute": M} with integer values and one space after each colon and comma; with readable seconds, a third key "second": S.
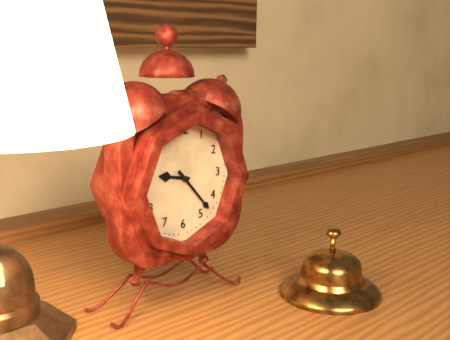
{"hour": 9, "minute": 23}
